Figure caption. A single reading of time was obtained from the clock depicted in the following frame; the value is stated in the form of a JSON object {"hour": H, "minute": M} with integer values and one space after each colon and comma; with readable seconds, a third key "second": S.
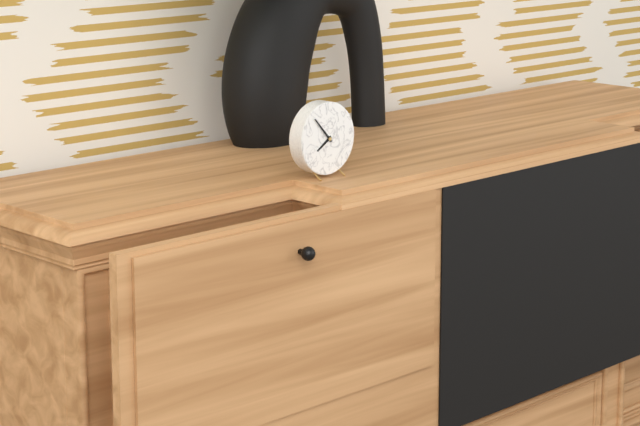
{"hour": 7, "minute": 53}
